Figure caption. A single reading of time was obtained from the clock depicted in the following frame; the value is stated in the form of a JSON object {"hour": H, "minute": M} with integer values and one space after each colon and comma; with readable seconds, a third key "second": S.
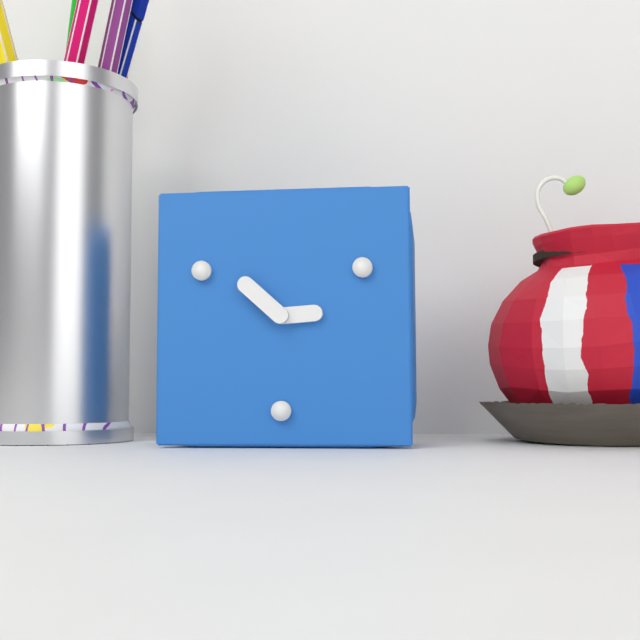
{"hour": 2, "minute": 52}
